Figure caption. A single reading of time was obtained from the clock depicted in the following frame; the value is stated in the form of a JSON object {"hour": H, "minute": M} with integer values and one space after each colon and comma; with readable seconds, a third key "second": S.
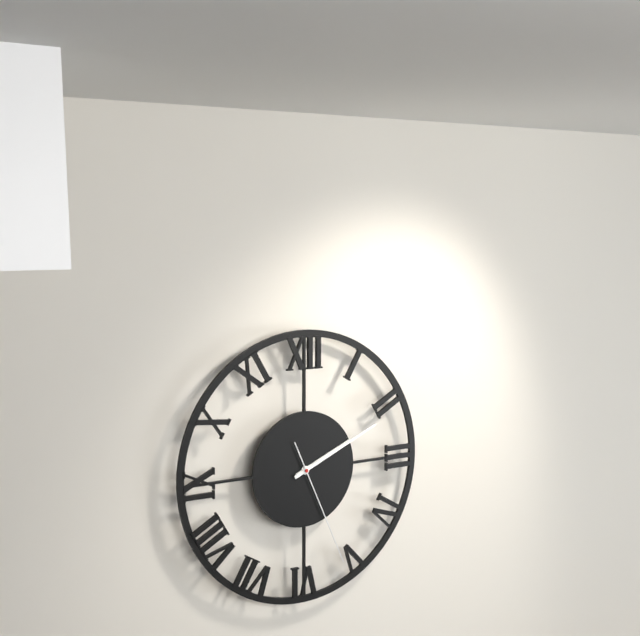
{"hour": 2, "minute": 11, "second": 26}
